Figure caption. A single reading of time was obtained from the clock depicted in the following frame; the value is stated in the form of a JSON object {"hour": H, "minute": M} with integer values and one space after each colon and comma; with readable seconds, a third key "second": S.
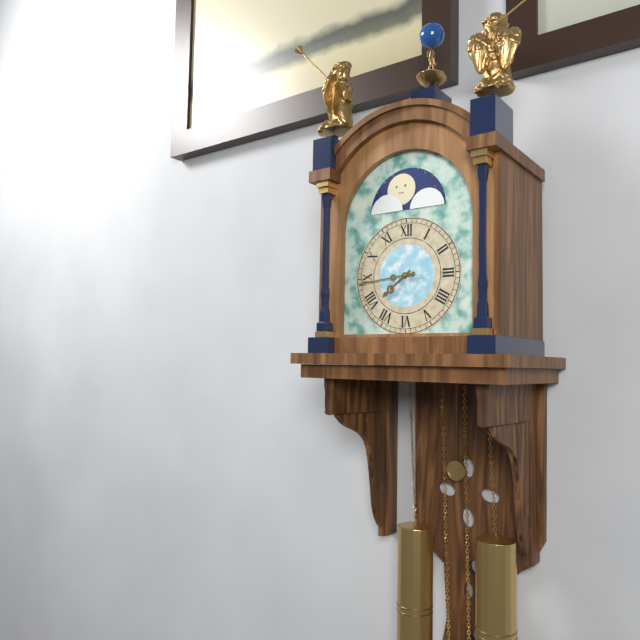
{"hour": 7, "minute": 44}
